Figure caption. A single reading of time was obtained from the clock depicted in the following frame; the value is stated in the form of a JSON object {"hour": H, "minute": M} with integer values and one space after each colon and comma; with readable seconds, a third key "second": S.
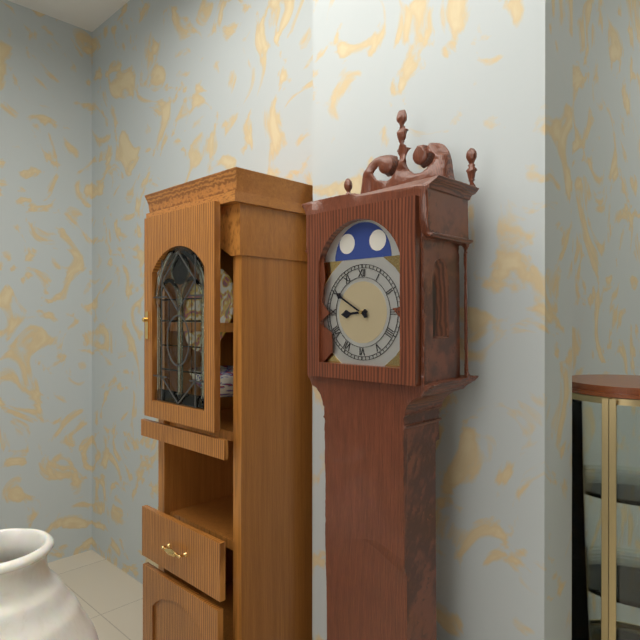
{"hour": 8, "minute": 50}
